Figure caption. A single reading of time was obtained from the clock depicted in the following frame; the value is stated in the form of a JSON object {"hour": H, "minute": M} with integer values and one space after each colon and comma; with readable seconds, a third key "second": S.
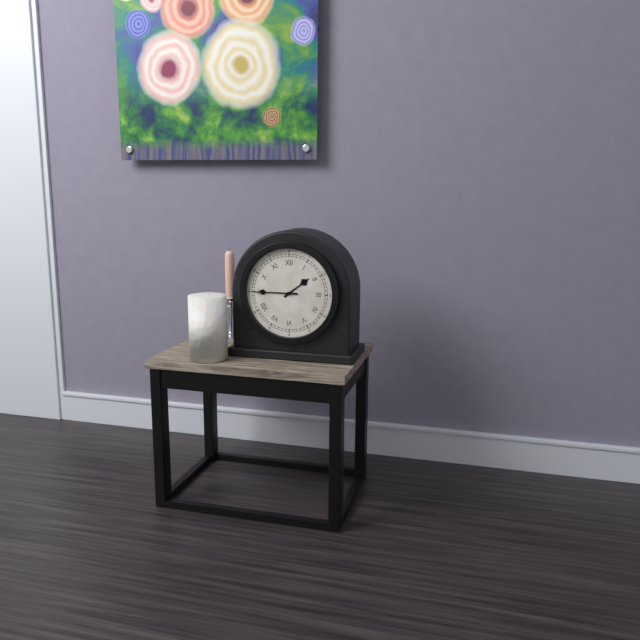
{"hour": 1, "minute": 45}
